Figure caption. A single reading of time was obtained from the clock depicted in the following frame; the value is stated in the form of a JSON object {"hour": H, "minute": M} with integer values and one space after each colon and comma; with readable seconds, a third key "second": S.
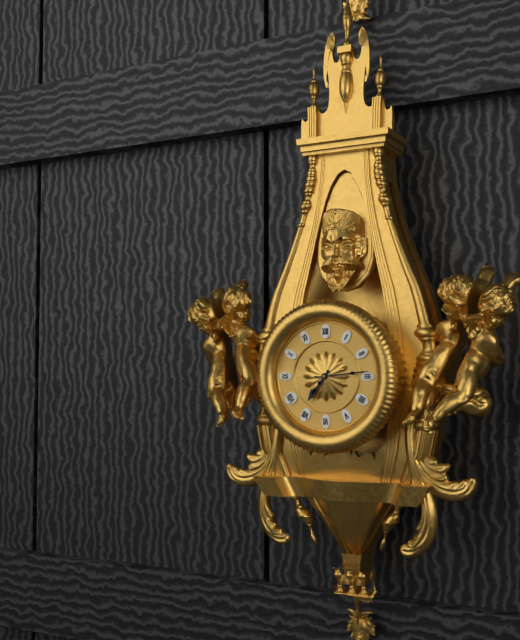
{"hour": 7, "minute": 14}
